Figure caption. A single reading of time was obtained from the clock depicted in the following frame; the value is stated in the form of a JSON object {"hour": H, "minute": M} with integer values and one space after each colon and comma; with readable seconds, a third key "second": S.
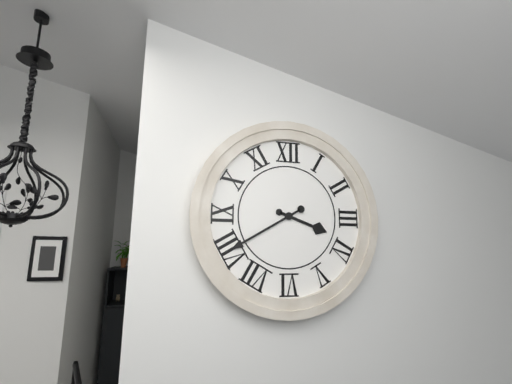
{"hour": 3, "minute": 40}
